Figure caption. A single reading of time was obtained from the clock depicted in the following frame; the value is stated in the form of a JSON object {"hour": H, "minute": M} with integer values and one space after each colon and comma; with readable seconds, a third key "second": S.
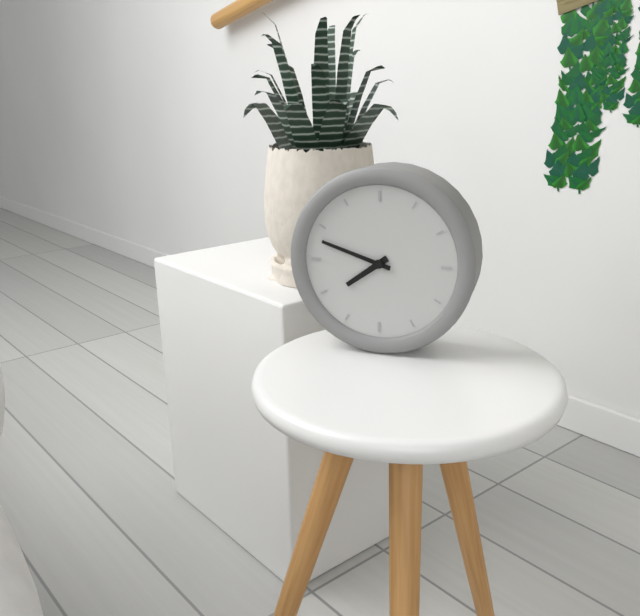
{"hour": 7, "minute": 48}
